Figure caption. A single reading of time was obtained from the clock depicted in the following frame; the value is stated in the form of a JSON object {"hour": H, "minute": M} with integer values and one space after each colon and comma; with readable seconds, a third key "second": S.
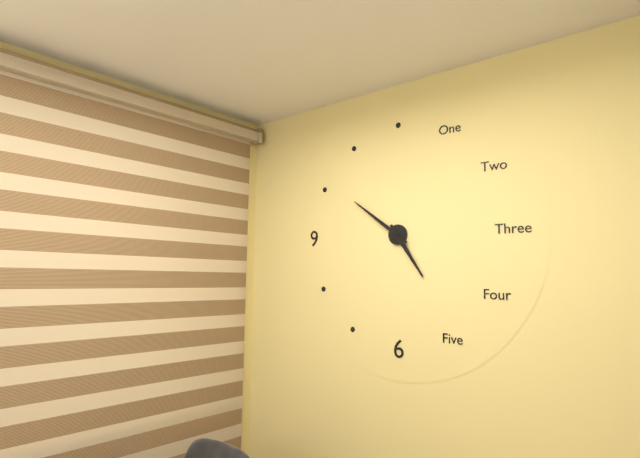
{"hour": 4, "minute": 51}
